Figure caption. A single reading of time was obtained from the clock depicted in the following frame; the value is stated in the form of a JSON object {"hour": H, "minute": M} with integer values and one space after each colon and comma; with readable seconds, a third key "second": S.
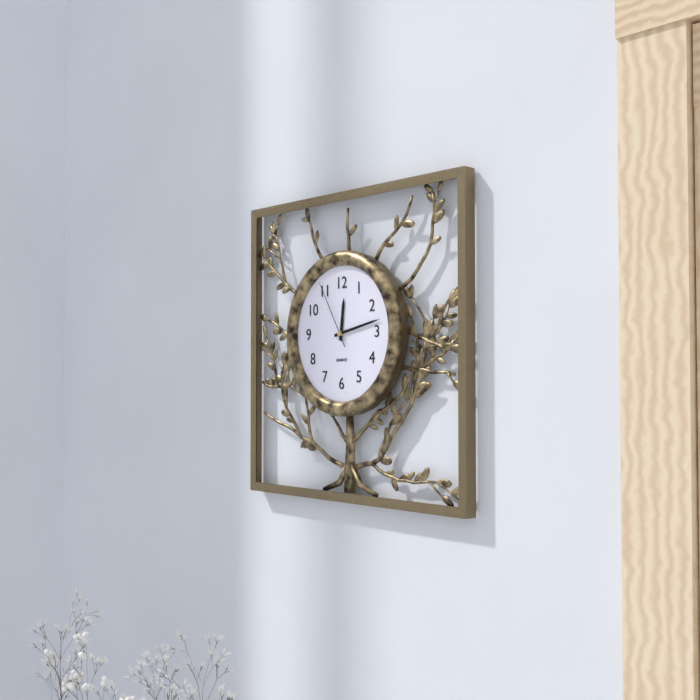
{"hour": 12, "minute": 13, "second": 55}
